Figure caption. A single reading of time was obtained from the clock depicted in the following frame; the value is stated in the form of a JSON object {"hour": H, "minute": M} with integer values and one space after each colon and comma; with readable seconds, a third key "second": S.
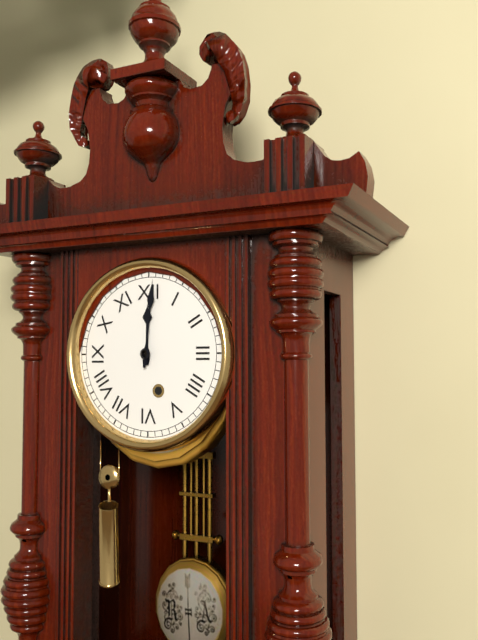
{"hour": 12, "minute": 1}
